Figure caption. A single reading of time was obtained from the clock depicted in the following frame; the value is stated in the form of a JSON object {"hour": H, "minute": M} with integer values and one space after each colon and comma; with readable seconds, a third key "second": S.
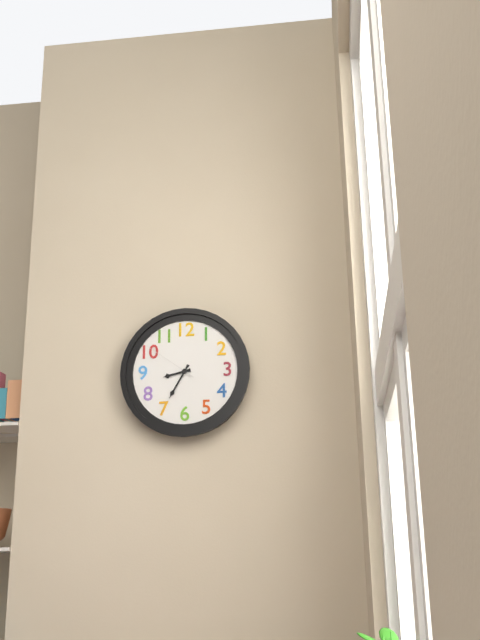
{"hour": 8, "minute": 35, "second": 51}
